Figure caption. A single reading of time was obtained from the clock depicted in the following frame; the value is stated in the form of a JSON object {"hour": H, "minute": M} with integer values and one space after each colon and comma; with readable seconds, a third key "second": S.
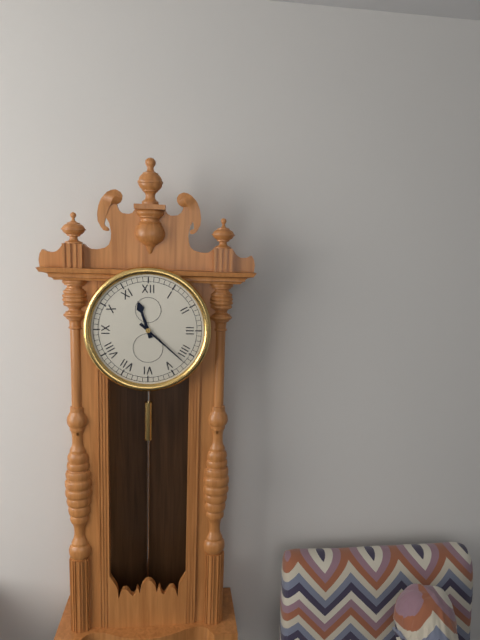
{"hour": 11, "minute": 22}
